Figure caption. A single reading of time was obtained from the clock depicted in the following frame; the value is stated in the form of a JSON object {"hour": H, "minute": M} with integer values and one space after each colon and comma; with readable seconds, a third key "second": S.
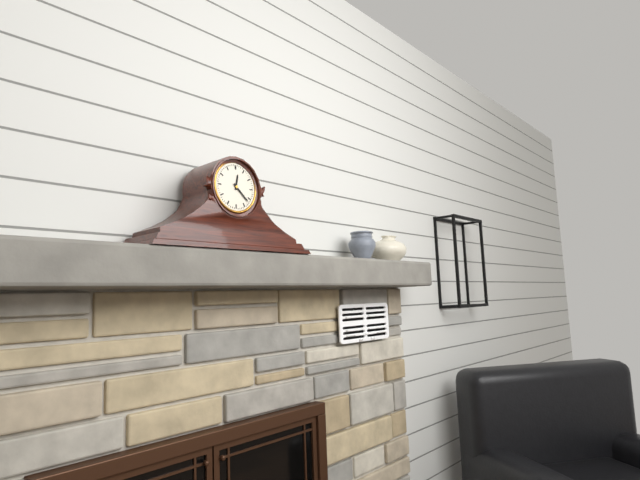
{"hour": 12, "minute": 22}
